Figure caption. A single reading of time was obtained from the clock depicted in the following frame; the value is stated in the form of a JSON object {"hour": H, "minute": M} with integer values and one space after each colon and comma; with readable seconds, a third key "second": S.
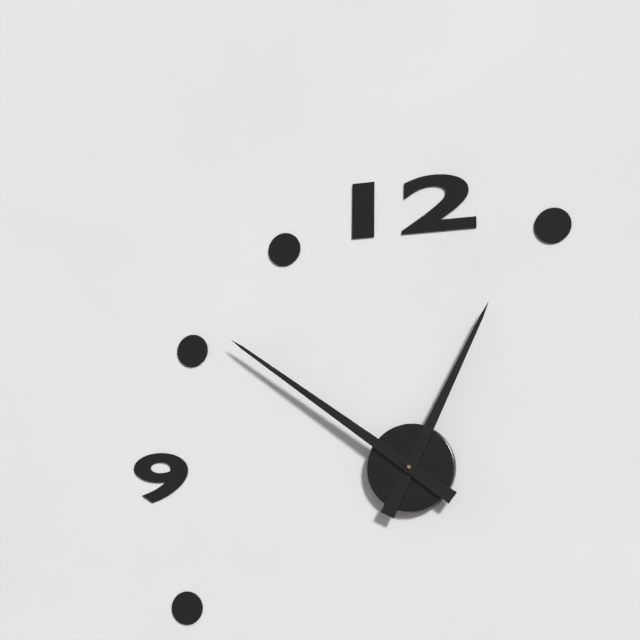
{"hour": 12, "minute": 51}
